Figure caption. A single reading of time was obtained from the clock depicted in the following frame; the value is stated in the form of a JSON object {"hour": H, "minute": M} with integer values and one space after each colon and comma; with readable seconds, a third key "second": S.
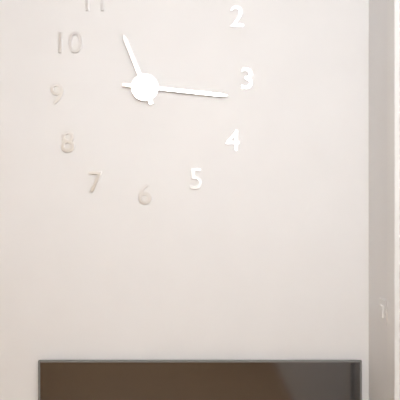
{"hour": 11, "minute": 16}
